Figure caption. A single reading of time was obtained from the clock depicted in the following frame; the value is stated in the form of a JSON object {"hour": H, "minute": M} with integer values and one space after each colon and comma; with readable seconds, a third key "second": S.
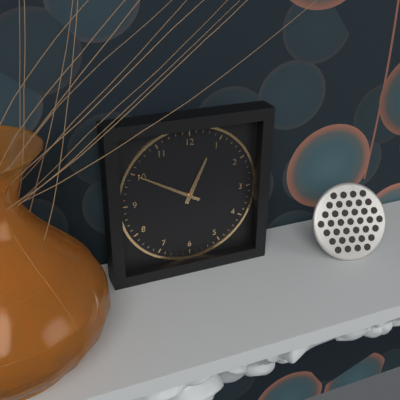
{"hour": 12, "minute": 50}
